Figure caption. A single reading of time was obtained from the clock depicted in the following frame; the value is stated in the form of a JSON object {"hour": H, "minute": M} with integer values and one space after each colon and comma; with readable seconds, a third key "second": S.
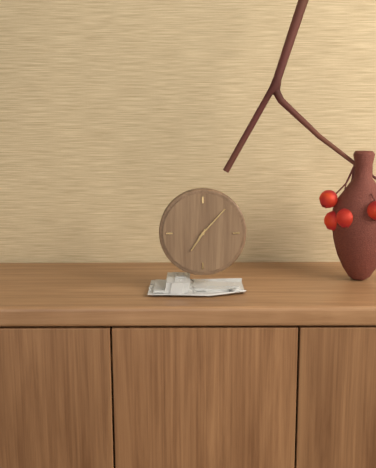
{"hour": 7, "minute": 7}
